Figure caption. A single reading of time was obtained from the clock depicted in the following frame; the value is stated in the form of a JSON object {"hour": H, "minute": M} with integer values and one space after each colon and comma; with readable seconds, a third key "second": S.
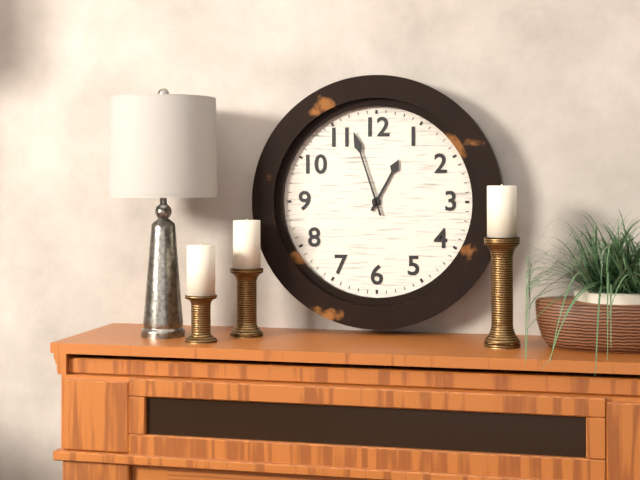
{"hour": 12, "minute": 57}
